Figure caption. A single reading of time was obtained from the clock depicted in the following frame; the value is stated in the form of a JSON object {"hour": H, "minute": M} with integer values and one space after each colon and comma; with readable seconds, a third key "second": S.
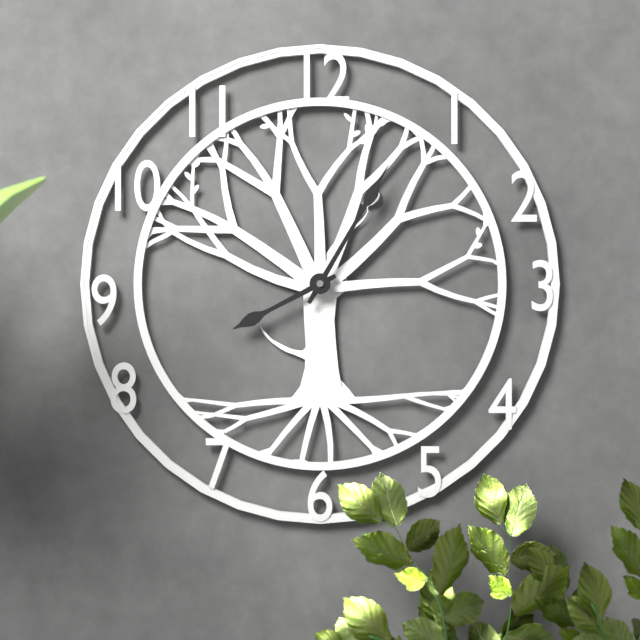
{"hour": 8, "minute": 5}
